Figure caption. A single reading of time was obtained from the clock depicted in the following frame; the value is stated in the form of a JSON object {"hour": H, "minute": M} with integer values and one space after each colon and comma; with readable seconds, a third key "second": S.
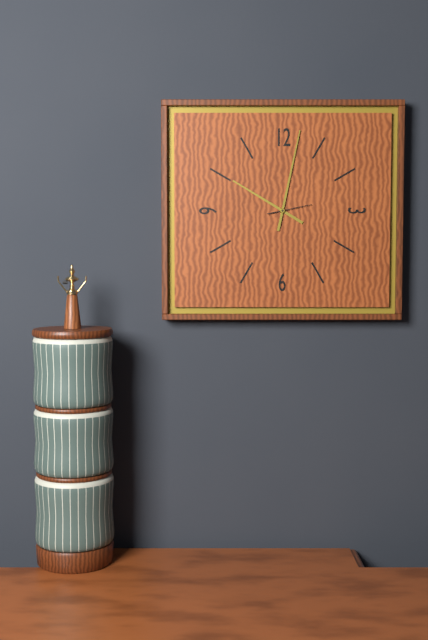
{"hour": 10, "minute": 2}
